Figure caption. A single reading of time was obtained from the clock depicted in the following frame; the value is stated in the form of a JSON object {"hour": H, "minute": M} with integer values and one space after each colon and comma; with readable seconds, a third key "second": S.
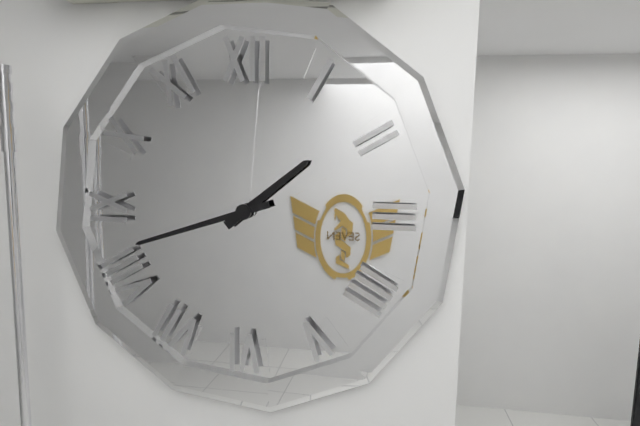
{"hour": 1, "minute": 42}
